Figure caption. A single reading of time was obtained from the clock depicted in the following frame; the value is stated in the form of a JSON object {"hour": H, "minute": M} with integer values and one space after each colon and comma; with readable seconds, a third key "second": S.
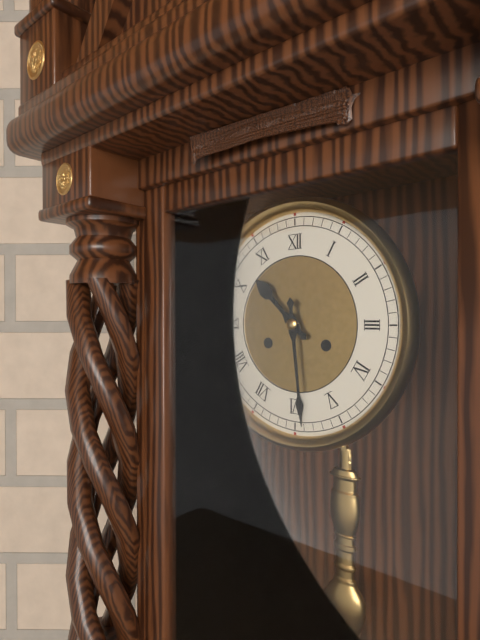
{"hour": 10, "minute": 29}
